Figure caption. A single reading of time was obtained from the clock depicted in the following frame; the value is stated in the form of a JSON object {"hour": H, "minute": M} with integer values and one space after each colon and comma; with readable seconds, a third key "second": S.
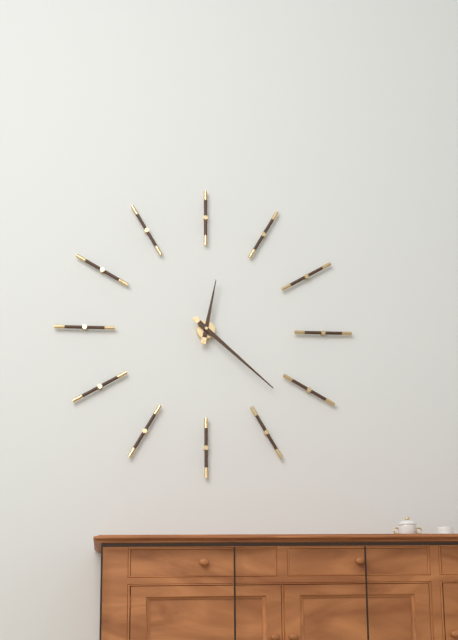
{"hour": 12, "minute": 22}
